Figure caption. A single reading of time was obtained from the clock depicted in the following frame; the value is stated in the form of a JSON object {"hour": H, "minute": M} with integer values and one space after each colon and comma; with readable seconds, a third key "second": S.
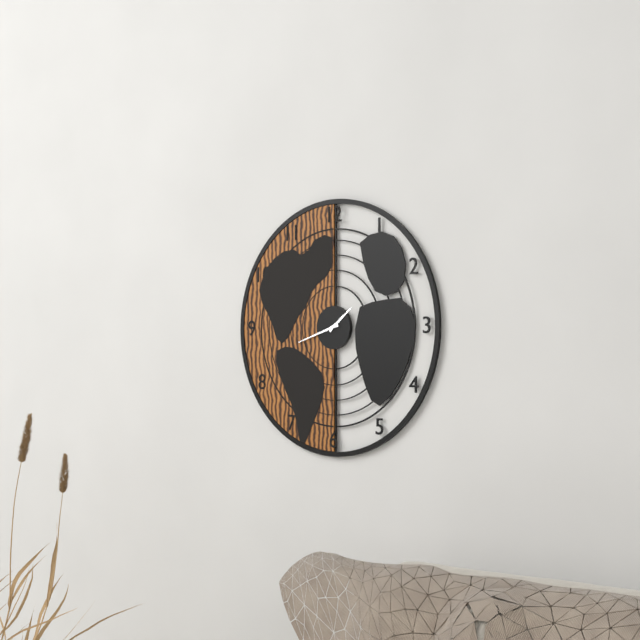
{"hour": 1, "minute": 42}
